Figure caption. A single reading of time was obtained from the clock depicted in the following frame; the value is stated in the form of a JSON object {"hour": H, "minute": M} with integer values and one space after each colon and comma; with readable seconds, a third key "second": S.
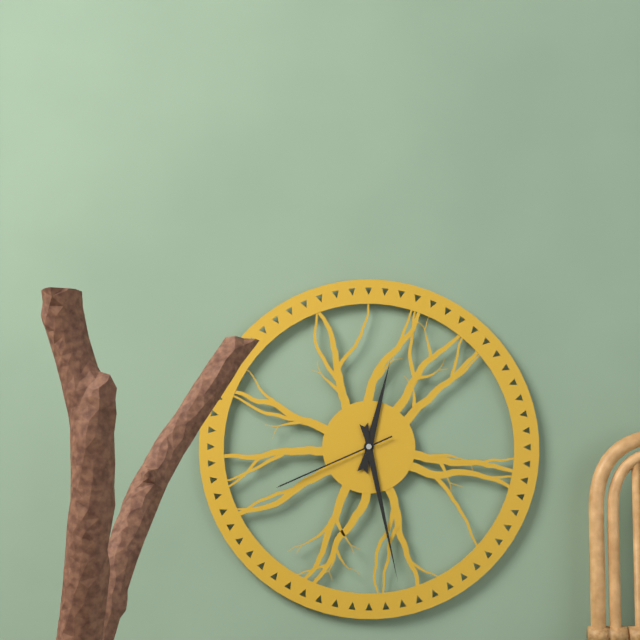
{"hour": 12, "minute": 28, "second": 41}
